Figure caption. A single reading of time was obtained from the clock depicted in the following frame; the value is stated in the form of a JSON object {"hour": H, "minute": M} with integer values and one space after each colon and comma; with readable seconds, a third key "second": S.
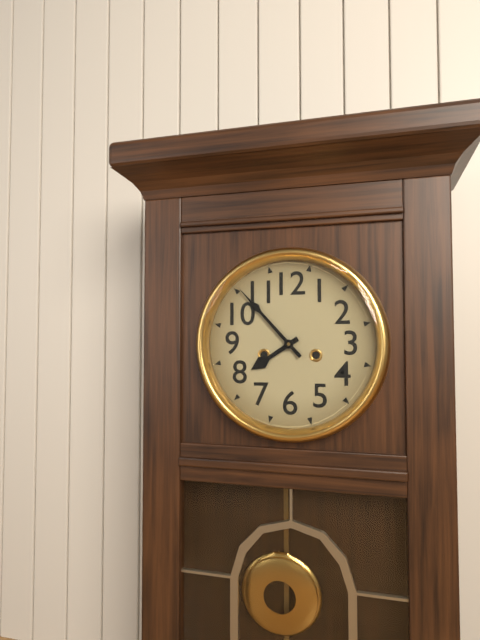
{"hour": 7, "minute": 53}
